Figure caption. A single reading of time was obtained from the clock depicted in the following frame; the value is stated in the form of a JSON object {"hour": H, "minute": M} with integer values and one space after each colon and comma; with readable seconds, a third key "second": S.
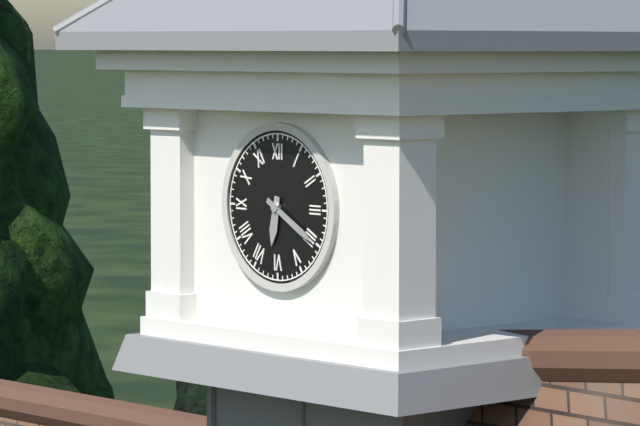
{"hour": 6, "minute": 20}
